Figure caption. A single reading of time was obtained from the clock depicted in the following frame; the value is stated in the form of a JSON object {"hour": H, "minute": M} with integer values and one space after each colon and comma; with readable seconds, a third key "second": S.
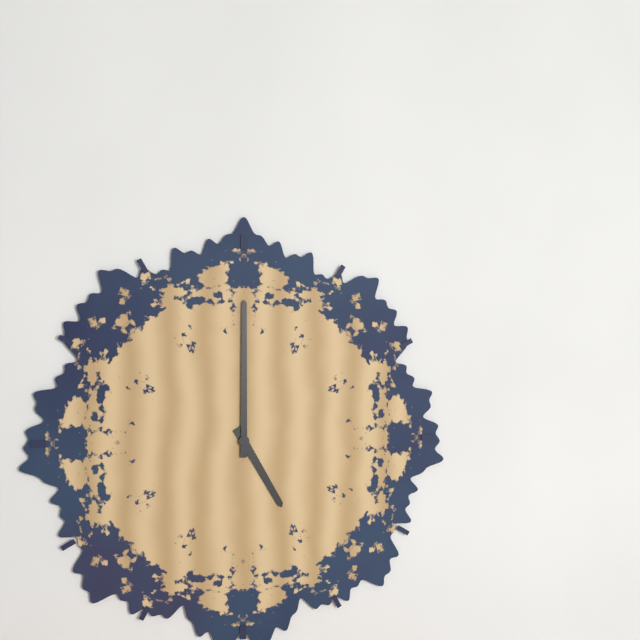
{"hour": 5, "minute": 0}
